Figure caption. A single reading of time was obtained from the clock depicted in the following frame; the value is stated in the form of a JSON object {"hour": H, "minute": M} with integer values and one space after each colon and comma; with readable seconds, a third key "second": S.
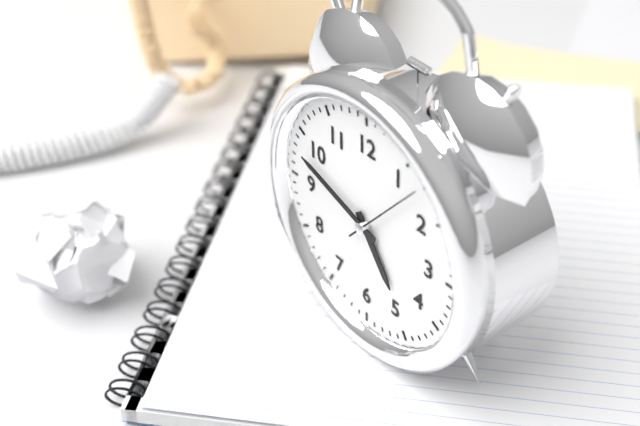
{"hour": 4, "minute": 48, "second": 7}
